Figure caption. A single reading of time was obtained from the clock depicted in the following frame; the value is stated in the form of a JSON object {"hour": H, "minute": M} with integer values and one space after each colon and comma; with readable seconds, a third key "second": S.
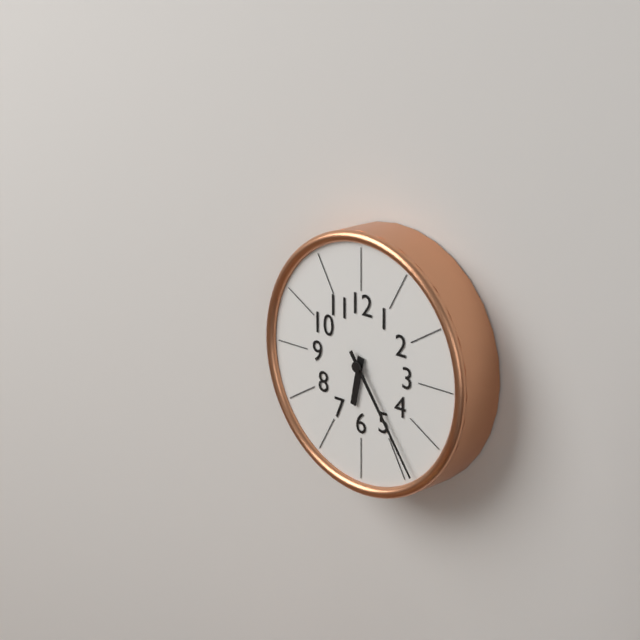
{"hour": 6, "minute": 24}
